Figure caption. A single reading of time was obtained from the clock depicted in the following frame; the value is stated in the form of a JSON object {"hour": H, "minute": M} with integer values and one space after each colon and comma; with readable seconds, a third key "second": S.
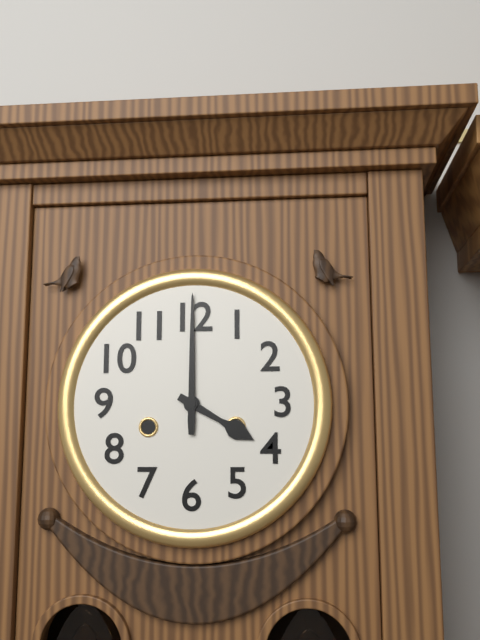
{"hour": 4, "minute": 0}
